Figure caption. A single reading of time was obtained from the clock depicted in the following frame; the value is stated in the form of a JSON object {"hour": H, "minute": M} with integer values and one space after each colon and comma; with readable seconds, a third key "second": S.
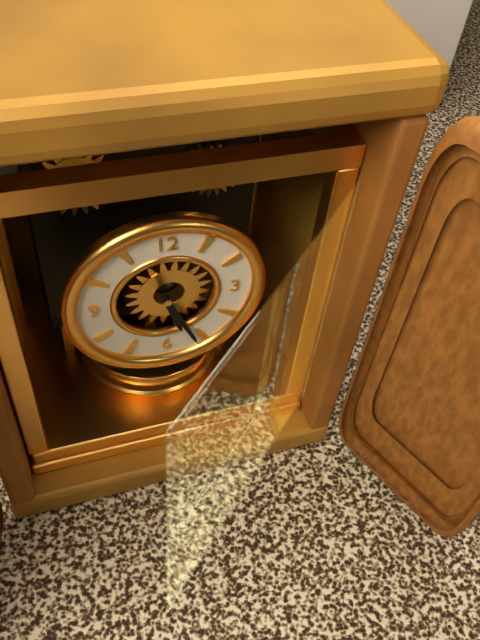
{"hour": 5, "minute": 26}
